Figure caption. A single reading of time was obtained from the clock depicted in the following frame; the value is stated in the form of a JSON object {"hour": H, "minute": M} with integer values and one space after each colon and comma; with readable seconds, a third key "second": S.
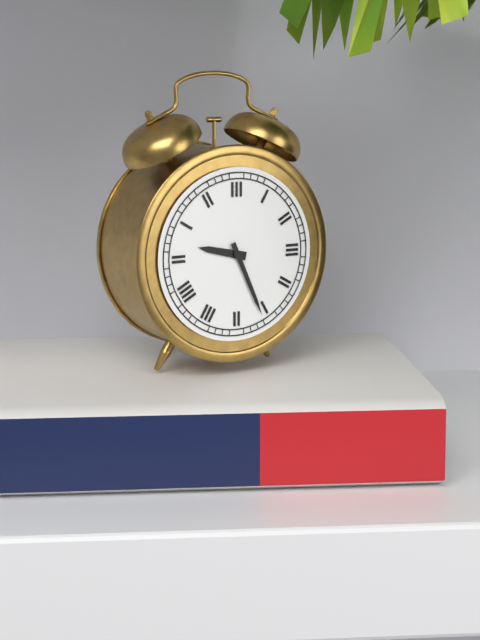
{"hour": 9, "minute": 26}
